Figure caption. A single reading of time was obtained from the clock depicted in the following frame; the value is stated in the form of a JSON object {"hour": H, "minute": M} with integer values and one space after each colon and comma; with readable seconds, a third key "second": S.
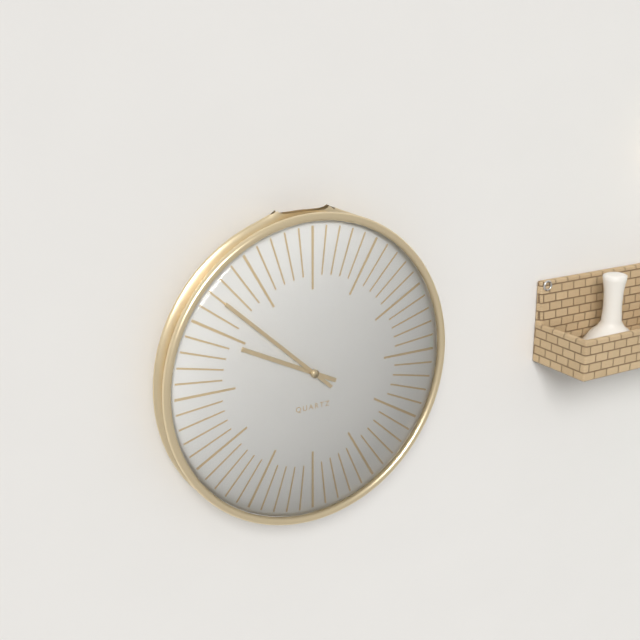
{"hour": 9, "minute": 52}
